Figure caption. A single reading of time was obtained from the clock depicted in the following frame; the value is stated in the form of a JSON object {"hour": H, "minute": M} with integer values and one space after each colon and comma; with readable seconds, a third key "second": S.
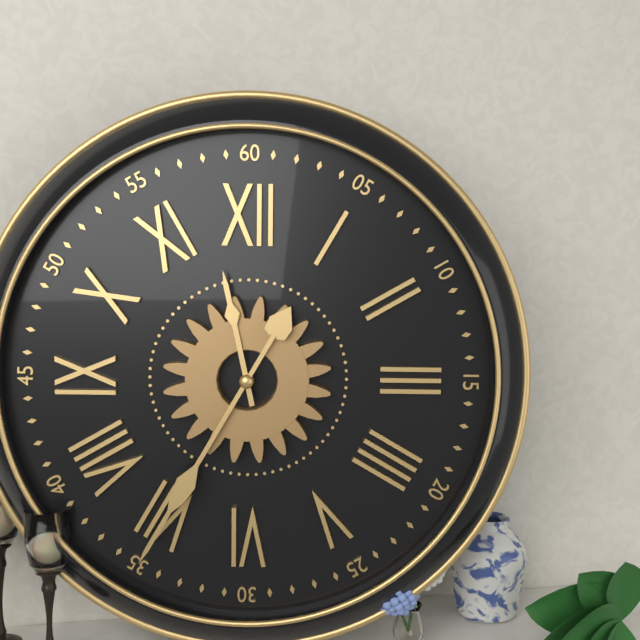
{"hour": 11, "minute": 35}
